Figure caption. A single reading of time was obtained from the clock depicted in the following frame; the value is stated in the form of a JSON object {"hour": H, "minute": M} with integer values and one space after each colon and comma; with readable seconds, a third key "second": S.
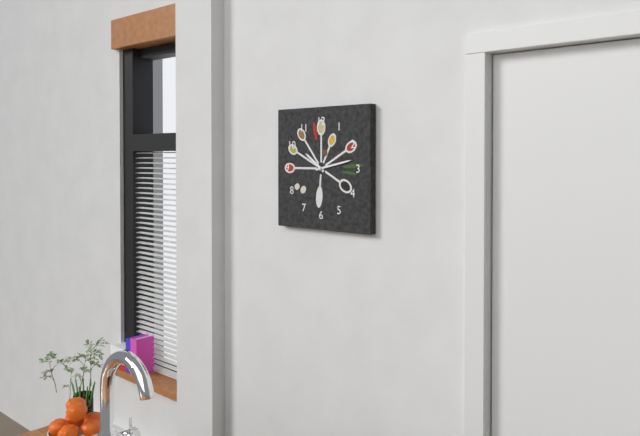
{"hour": 10, "minute": 13}
